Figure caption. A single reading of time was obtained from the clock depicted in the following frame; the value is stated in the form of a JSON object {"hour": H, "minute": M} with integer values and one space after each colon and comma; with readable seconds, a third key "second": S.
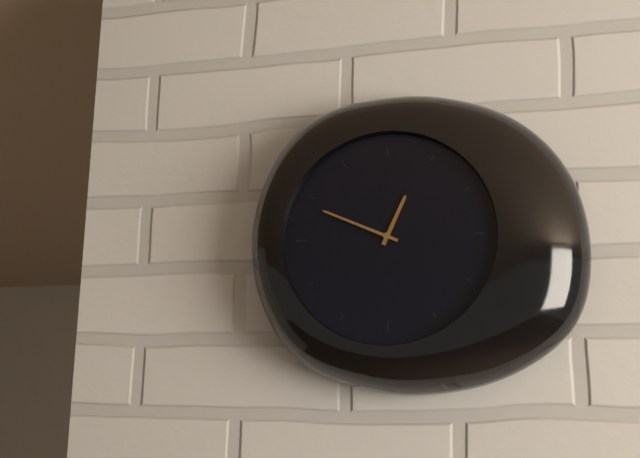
{"hour": 12, "minute": 49}
